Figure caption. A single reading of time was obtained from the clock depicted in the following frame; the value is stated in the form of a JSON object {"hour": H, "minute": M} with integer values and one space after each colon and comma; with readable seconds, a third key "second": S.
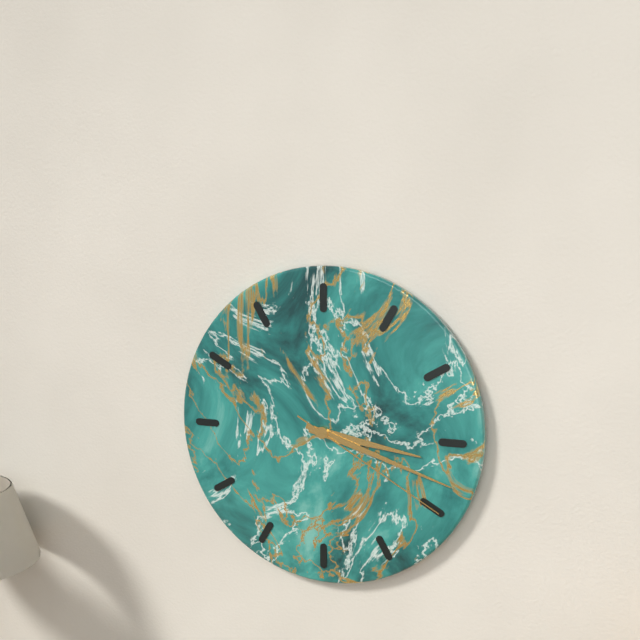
{"hour": 3, "minute": 18, "second": 20}
